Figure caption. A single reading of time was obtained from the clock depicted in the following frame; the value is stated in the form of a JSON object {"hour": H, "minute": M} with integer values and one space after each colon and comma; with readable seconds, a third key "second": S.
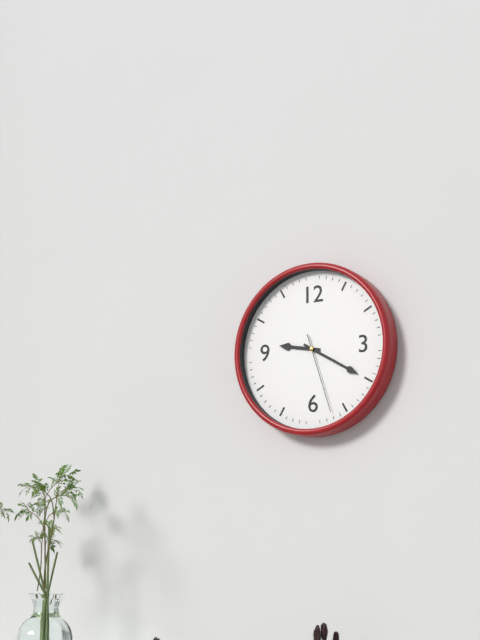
{"hour": 9, "minute": 20, "second": 27}
